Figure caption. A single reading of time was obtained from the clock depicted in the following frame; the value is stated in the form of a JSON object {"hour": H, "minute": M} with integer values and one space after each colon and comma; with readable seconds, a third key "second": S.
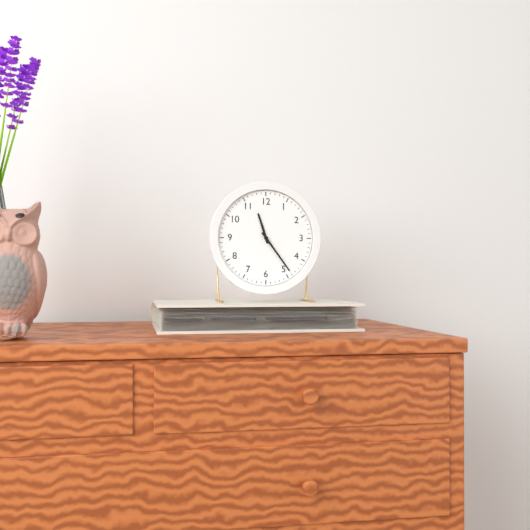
{"hour": 11, "minute": 24}
